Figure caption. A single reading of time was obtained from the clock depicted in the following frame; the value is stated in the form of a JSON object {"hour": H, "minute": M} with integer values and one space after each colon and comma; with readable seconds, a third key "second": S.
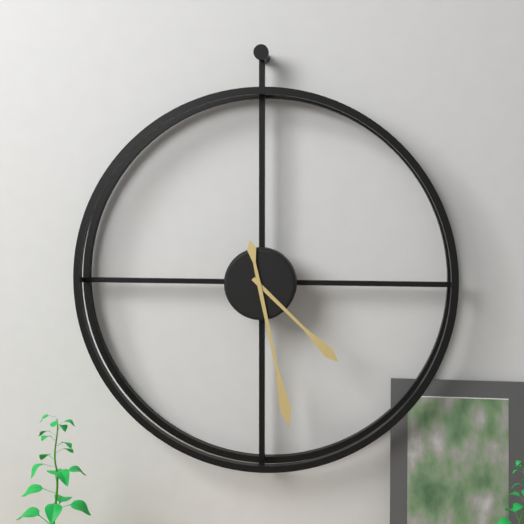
{"hour": 4, "minute": 28}
